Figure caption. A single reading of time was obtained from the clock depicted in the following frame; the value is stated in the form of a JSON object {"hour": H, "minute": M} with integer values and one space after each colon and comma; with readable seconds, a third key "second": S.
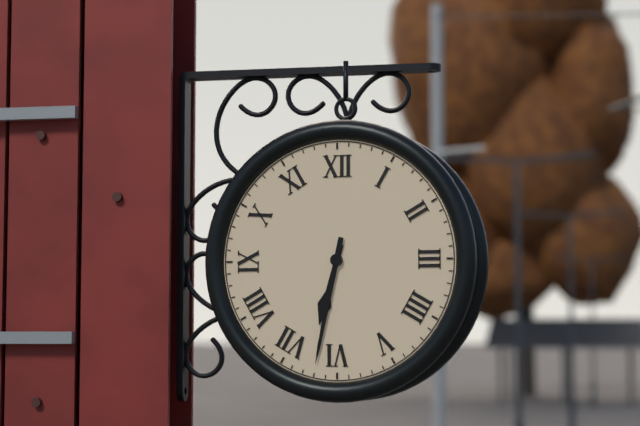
{"hour": 6, "minute": 32}
